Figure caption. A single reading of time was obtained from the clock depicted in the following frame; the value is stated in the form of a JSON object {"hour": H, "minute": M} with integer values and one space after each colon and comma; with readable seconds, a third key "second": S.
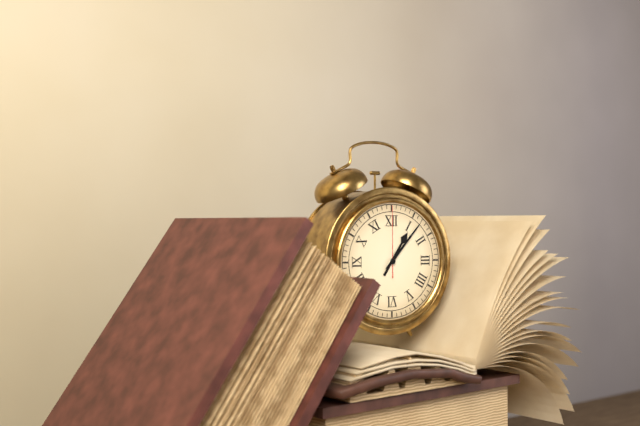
{"hour": 1, "minute": 7, "second": 0}
